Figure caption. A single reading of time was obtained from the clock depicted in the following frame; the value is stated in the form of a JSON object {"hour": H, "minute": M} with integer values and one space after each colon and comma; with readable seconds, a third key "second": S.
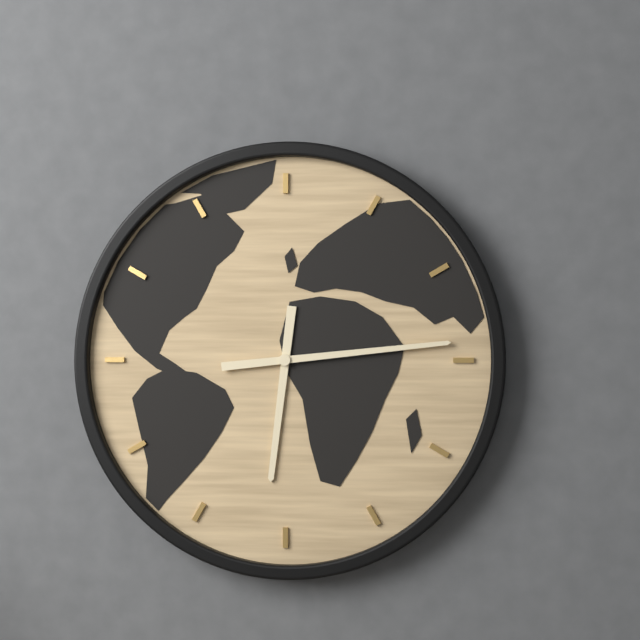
{"hour": 6, "minute": 14}
